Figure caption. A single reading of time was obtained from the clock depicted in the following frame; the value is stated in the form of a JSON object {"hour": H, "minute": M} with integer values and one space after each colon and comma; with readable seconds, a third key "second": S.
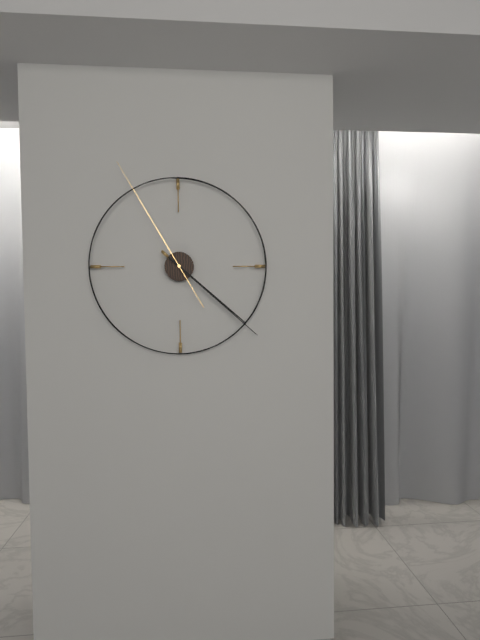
{"hour": 4, "minute": 22, "second": 55}
